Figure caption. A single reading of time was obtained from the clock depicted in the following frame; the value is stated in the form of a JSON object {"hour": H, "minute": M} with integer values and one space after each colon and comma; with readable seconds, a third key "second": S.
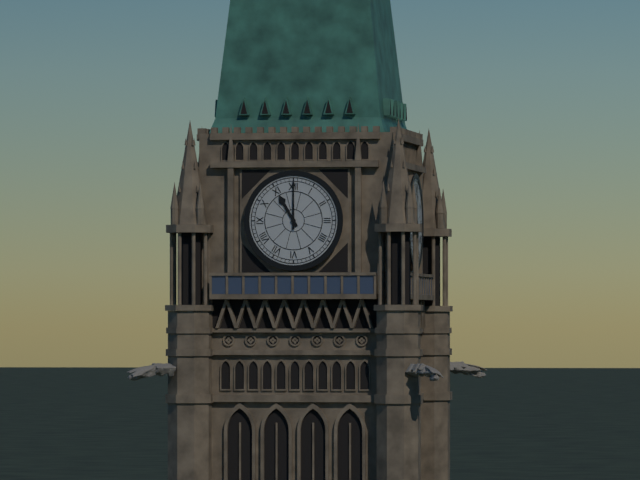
{"hour": 11, "minute": 0}
